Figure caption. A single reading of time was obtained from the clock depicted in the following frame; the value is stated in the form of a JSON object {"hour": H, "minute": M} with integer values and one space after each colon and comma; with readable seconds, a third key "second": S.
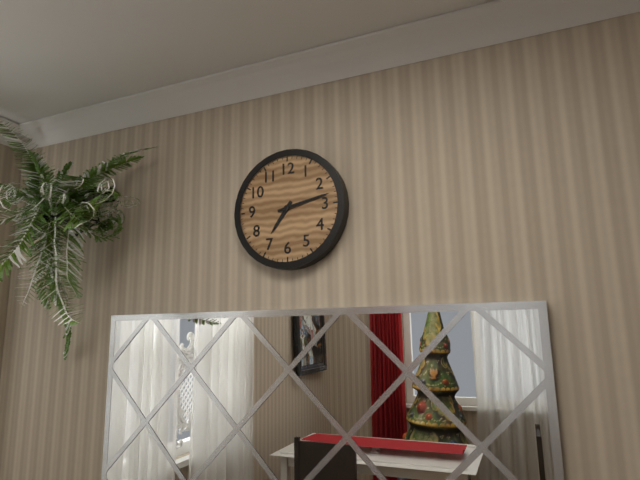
{"hour": 7, "minute": 13}
